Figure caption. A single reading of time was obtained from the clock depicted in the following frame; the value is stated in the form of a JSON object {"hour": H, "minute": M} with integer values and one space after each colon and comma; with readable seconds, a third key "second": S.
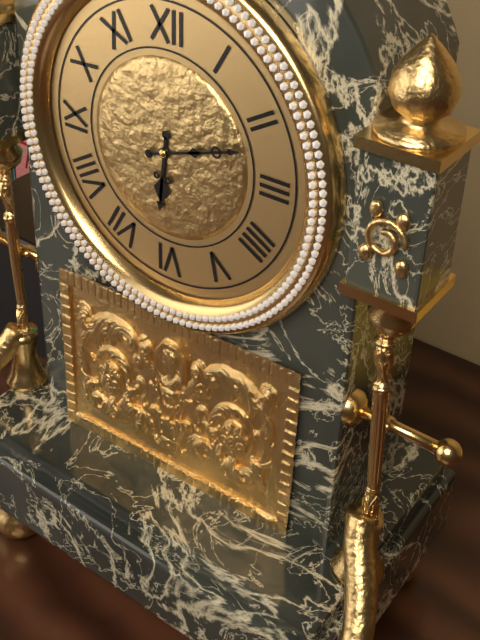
{"hour": 6, "minute": 12}
